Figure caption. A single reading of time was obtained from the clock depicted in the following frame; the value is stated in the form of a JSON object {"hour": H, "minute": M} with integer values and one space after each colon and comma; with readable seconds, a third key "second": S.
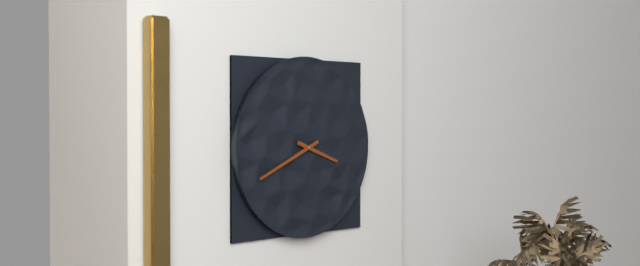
{"hour": 3, "minute": 41}
